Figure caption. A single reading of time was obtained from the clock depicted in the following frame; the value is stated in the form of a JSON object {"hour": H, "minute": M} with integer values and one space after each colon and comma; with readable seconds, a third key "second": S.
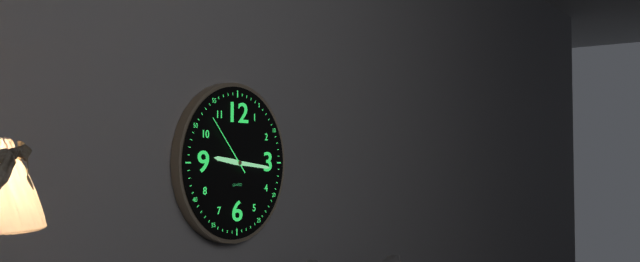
{"hour": 9, "minute": 16, "second": 53}
